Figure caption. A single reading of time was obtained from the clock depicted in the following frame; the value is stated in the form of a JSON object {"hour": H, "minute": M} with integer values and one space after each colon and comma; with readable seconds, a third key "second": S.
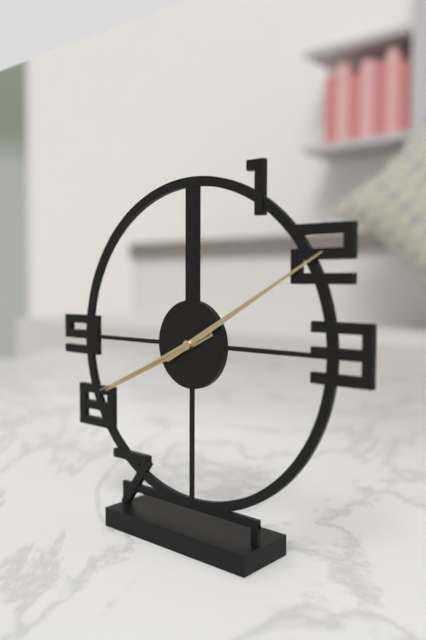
{"hour": 8, "minute": 10, "second": 41}
